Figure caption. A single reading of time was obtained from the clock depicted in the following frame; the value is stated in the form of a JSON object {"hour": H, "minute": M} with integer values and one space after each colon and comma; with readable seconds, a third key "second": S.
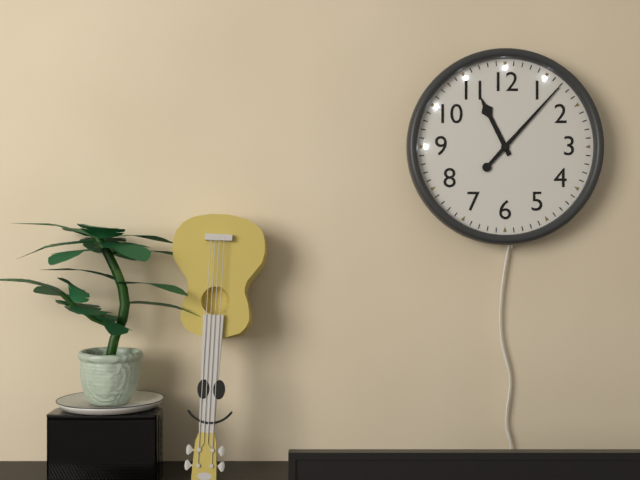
{"hour": 11, "minute": 7}
